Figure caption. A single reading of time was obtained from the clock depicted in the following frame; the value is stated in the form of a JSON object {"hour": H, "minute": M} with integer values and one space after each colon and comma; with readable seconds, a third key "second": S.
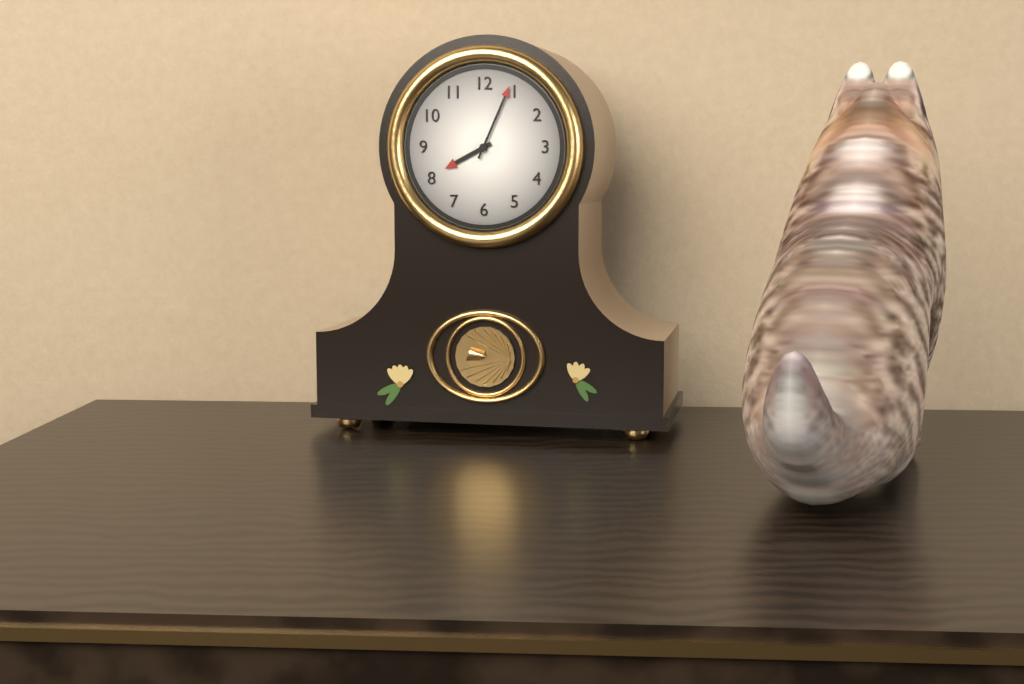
{"hour": 8, "minute": 4}
